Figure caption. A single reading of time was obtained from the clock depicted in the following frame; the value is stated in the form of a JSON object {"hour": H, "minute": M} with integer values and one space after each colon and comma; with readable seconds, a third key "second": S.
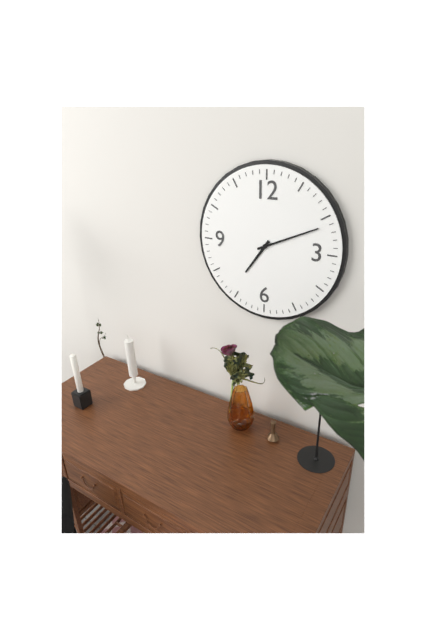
{"hour": 7, "minute": 11}
